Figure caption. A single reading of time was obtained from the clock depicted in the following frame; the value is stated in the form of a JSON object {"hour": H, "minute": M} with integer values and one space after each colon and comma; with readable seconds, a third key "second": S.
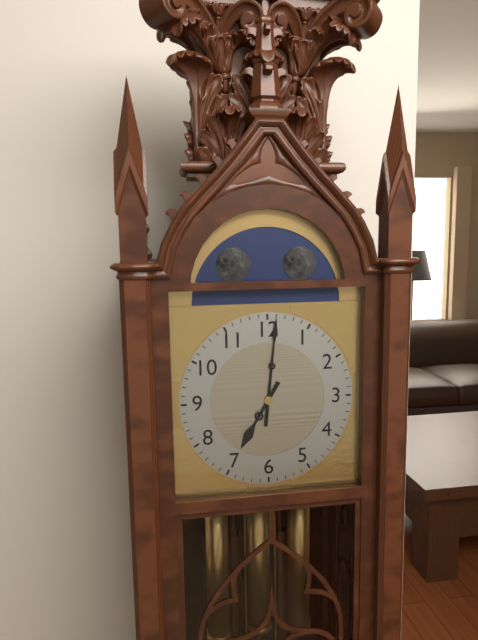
{"hour": 7, "minute": 1}
